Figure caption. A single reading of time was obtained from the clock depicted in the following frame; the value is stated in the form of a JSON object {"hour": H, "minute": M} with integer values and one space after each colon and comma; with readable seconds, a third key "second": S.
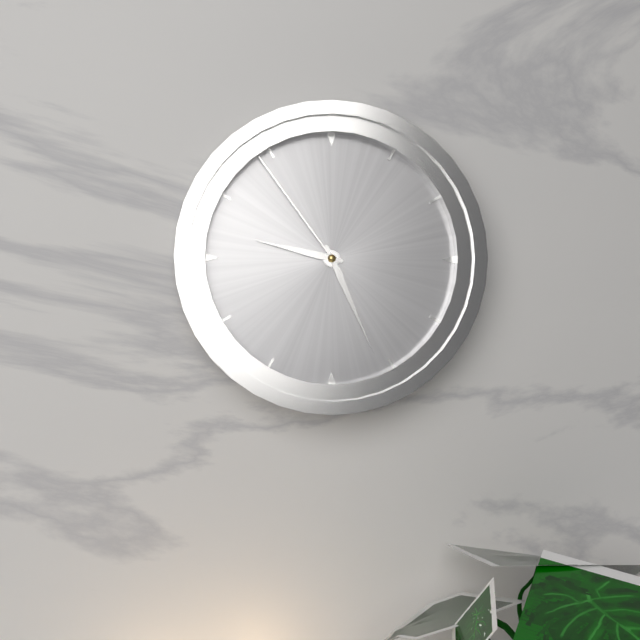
{"hour": 9, "minute": 26, "second": 54}
